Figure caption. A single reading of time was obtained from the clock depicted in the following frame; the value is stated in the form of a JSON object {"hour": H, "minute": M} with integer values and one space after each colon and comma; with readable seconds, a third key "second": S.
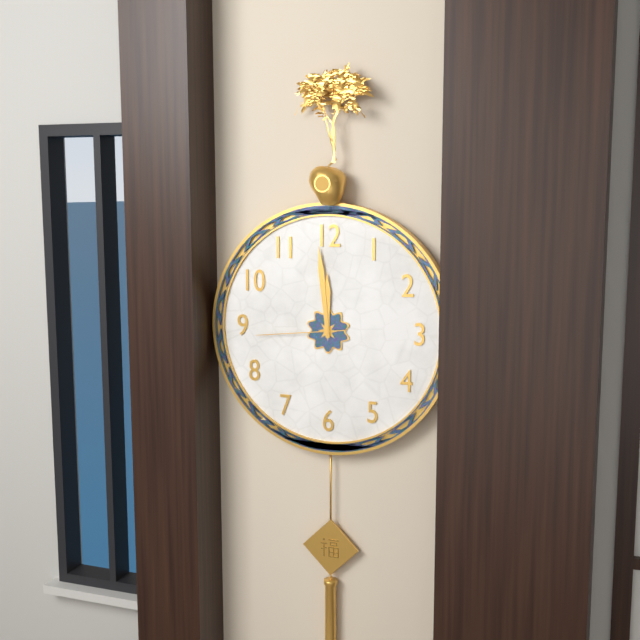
{"hour": 11, "minute": 59, "second": 44}
